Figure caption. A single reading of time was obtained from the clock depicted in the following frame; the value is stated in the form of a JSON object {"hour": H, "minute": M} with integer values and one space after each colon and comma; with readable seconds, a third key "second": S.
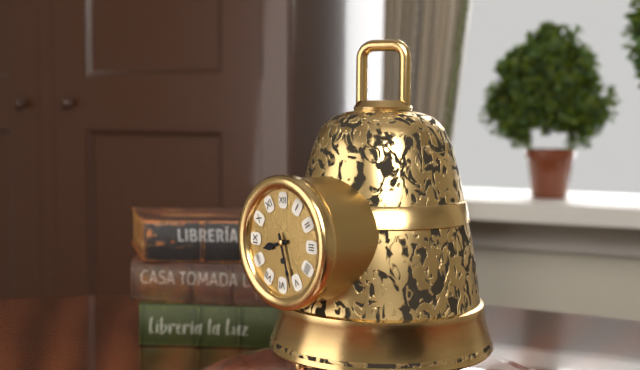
{"hour": 8, "minute": 27}
